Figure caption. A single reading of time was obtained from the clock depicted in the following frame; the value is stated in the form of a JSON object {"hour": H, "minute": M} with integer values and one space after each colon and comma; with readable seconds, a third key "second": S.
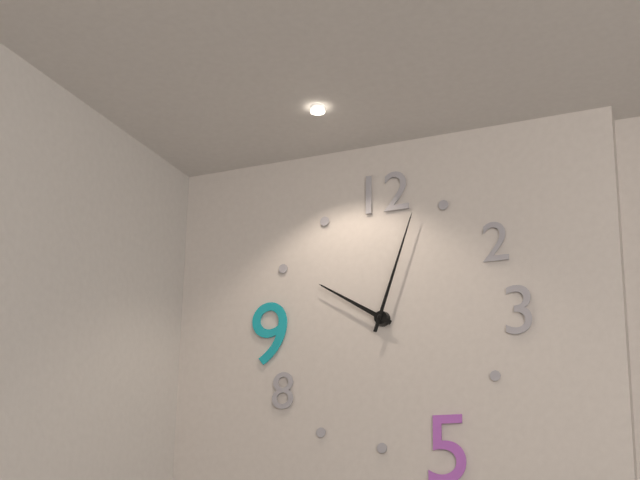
{"hour": 10, "minute": 3}
